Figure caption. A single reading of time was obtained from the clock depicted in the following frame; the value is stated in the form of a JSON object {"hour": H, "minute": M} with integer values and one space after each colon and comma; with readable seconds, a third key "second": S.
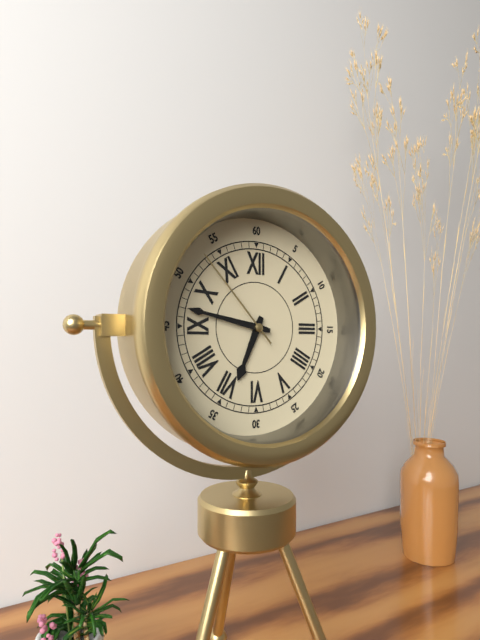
{"hour": 6, "minute": 47, "second": 53}
